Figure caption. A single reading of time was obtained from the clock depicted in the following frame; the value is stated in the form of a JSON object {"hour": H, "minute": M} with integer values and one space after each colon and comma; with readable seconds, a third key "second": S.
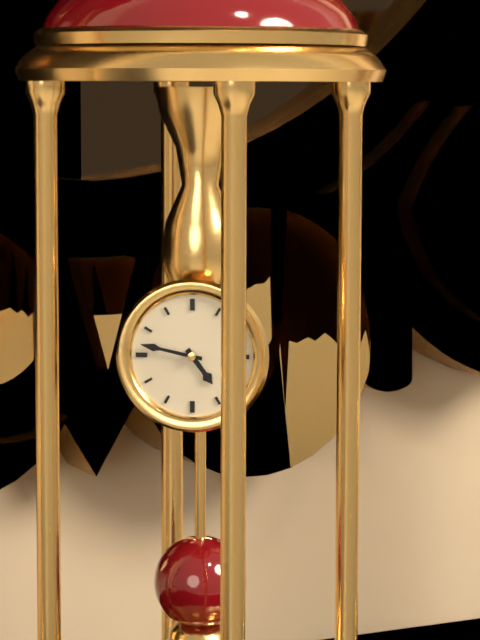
{"hour": 4, "minute": 47}
